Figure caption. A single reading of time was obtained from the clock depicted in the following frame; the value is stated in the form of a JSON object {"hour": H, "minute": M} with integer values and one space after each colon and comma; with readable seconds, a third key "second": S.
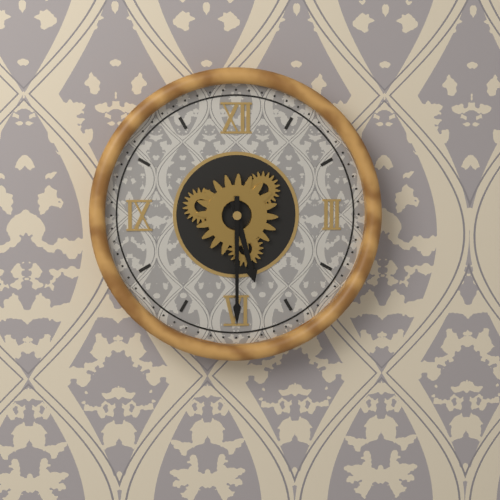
{"hour": 5, "minute": 30}
